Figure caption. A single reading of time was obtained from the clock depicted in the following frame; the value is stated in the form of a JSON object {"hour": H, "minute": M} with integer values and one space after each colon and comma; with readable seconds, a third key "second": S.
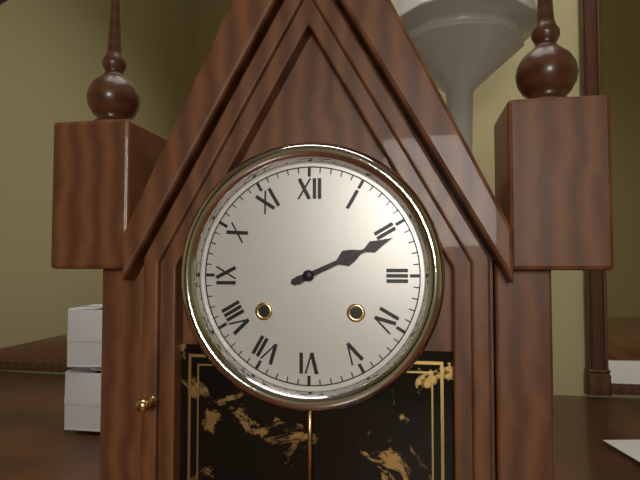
{"hour": 2, "minute": 11}
